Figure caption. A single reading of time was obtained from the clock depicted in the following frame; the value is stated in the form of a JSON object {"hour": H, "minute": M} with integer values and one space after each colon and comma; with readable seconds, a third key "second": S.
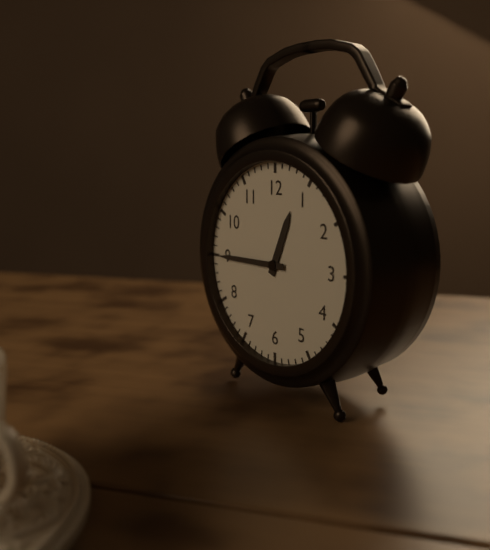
{"hour": 12, "minute": 45}
